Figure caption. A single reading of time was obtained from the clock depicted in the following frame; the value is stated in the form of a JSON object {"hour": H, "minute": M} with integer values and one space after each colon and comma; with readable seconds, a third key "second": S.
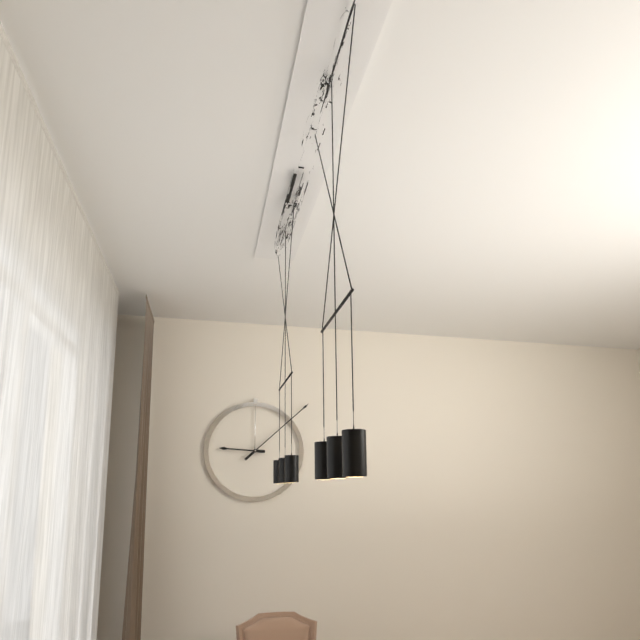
{"hour": 9, "minute": 8}
